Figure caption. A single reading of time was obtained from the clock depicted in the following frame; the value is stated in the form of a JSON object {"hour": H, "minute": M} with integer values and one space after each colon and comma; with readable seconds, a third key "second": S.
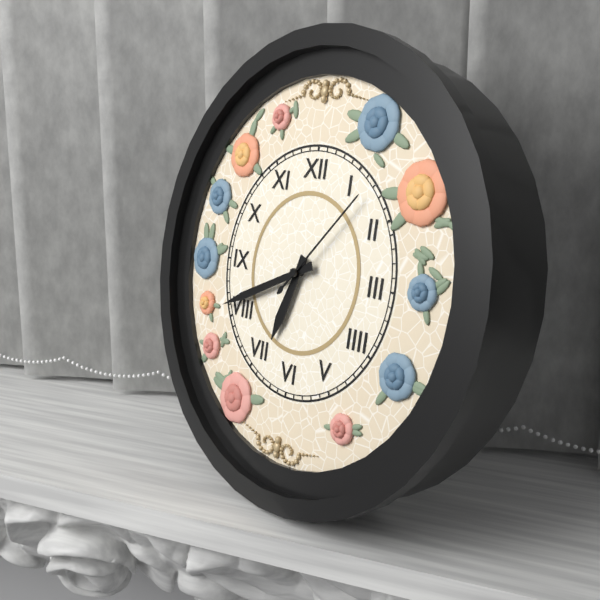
{"hour": 6, "minute": 41, "second": 7}
